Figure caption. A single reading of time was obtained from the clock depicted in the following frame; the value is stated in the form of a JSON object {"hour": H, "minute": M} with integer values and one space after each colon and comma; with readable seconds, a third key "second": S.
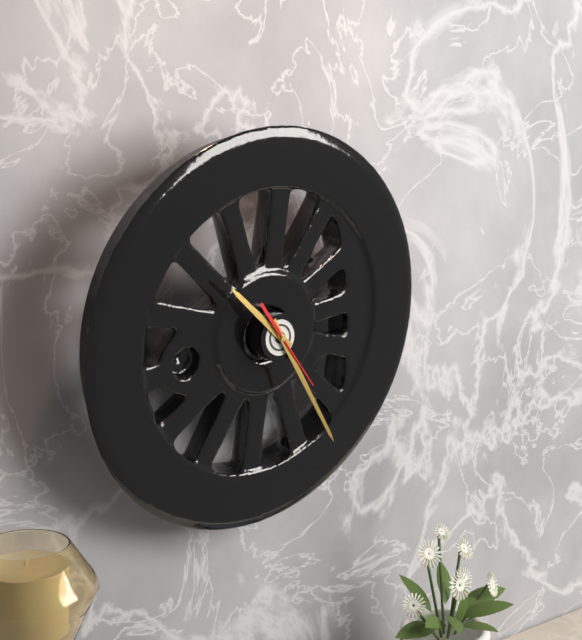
{"hour": 10, "minute": 25, "second": 24}
